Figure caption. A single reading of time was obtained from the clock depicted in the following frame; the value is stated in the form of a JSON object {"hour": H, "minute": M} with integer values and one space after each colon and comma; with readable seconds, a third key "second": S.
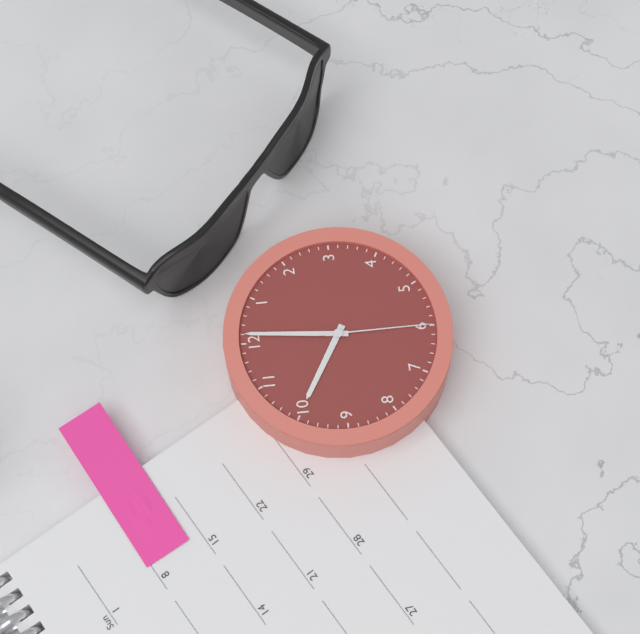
{"hour": 10, "minute": 1, "second": 30}
